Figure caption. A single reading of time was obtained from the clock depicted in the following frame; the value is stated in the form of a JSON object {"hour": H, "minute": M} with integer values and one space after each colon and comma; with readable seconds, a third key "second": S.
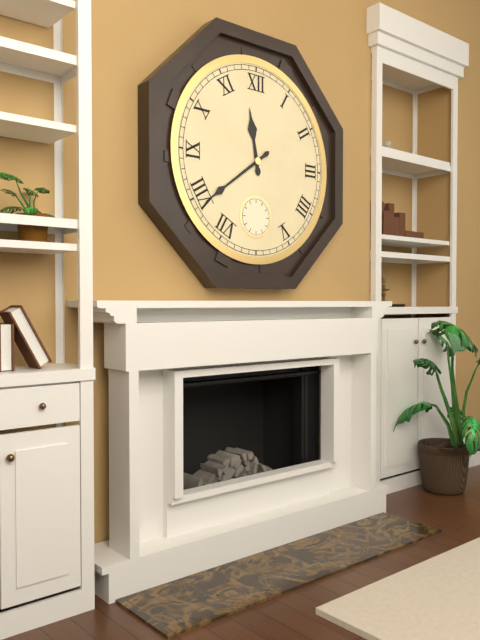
{"hour": 11, "minute": 39}
